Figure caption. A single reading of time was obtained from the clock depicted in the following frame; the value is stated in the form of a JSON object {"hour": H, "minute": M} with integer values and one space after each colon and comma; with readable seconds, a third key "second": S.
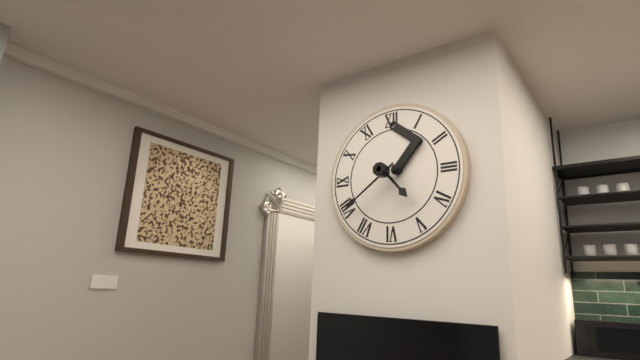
{"hour": 4, "minute": 39}
